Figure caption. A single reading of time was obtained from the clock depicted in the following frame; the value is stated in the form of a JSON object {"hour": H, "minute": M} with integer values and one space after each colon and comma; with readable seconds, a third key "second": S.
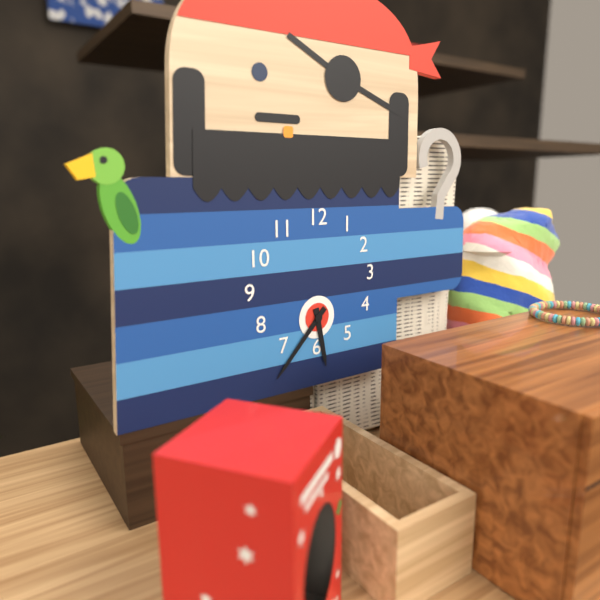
{"hour": 5, "minute": 37}
